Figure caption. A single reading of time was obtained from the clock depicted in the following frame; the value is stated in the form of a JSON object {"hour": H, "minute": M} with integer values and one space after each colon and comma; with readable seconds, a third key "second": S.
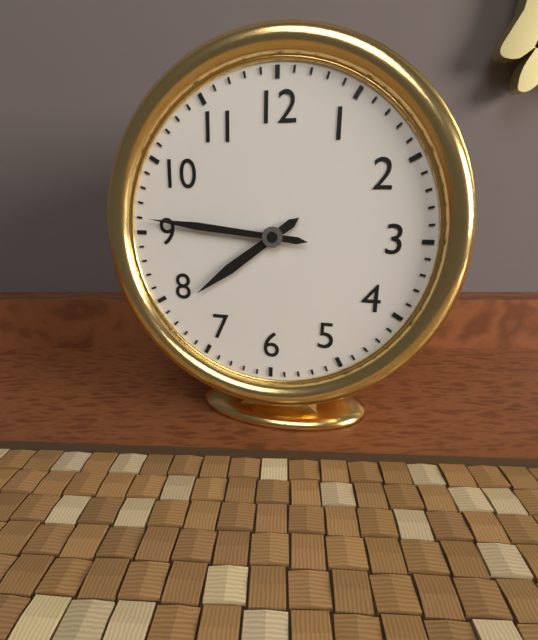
{"hour": 7, "minute": 46}
